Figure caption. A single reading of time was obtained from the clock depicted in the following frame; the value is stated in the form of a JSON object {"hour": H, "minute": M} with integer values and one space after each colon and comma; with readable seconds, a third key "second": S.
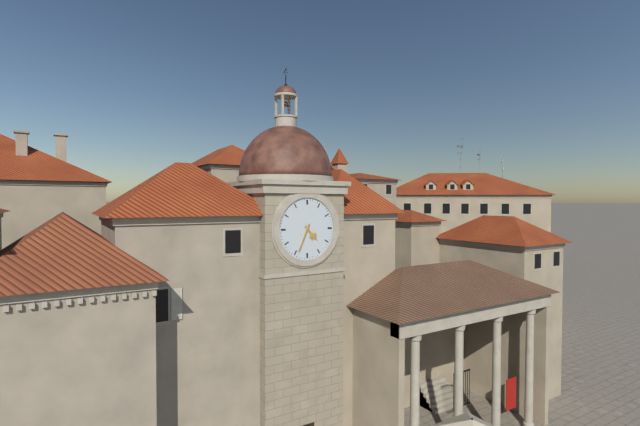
{"hour": 4, "minute": 34}
